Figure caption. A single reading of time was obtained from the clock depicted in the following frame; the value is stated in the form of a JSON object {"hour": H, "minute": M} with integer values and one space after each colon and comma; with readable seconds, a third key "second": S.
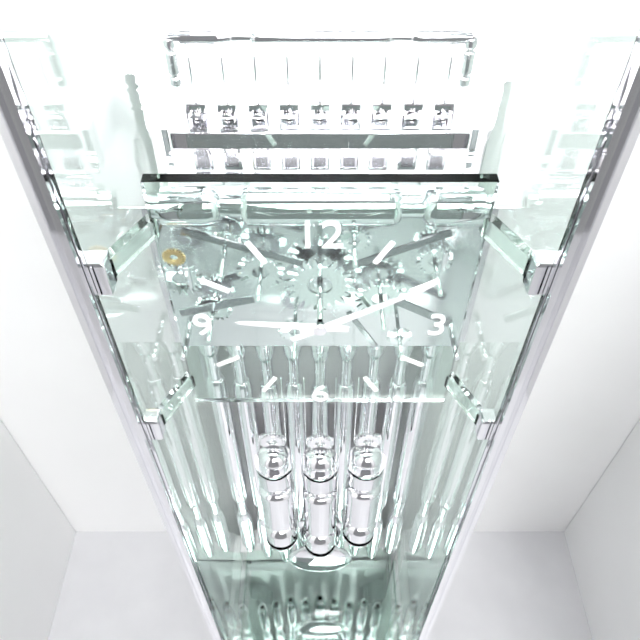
{"hour": 9, "minute": 10}
